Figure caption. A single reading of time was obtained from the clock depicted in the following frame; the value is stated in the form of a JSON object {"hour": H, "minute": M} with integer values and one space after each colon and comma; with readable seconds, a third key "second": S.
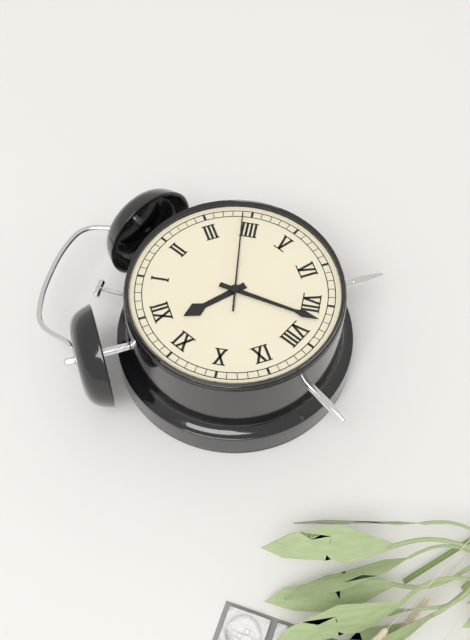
{"hour": 11, "minute": 37, "second": 19}
